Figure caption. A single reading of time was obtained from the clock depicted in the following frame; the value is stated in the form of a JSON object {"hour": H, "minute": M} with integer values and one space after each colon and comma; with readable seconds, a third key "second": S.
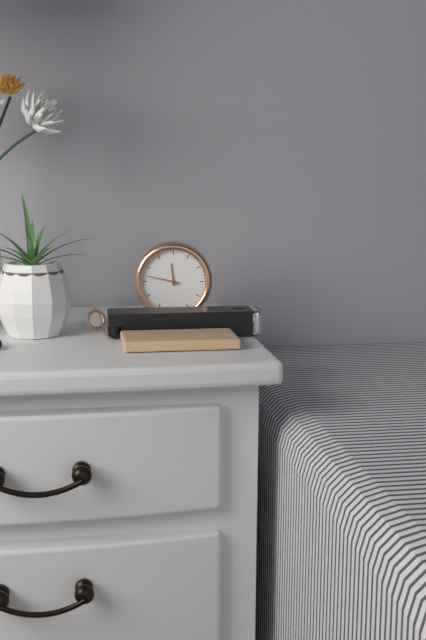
{"hour": 11, "minute": 47}
